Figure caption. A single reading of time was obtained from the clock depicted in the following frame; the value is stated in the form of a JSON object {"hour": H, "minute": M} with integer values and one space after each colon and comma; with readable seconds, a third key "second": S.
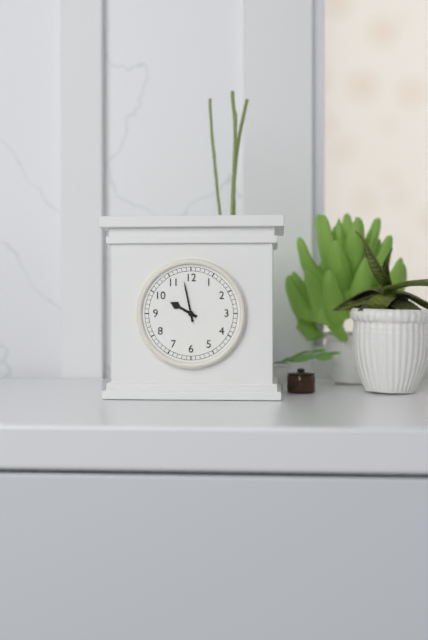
{"hour": 9, "minute": 58}
